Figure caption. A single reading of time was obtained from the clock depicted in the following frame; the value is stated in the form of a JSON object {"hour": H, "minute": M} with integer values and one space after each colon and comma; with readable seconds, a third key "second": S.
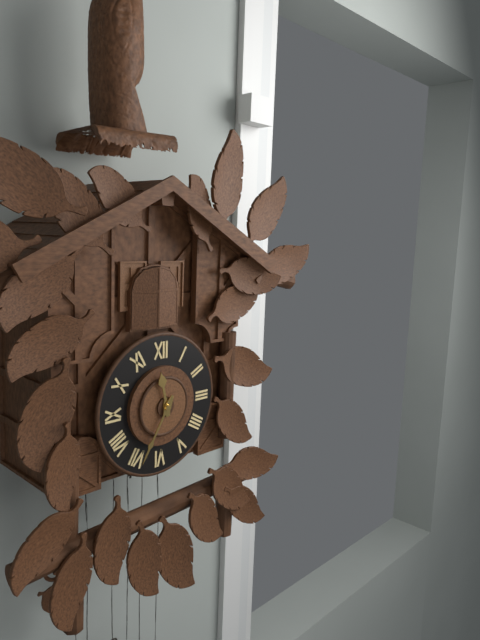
{"hour": 11, "minute": 35}
